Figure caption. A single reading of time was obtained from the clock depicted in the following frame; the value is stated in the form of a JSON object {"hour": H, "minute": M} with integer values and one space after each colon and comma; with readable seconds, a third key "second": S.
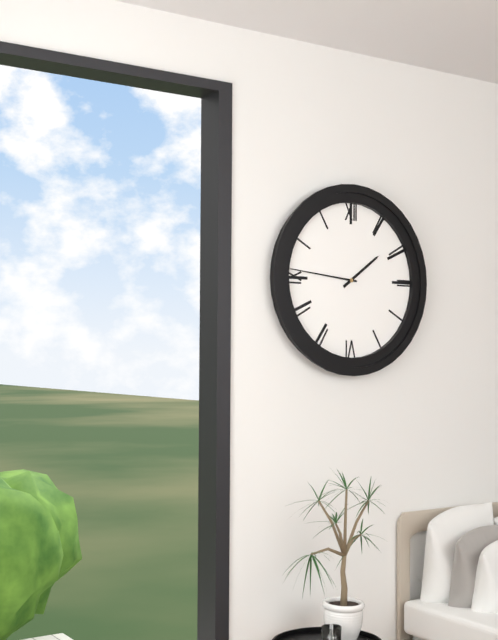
{"hour": 1, "minute": 46}
